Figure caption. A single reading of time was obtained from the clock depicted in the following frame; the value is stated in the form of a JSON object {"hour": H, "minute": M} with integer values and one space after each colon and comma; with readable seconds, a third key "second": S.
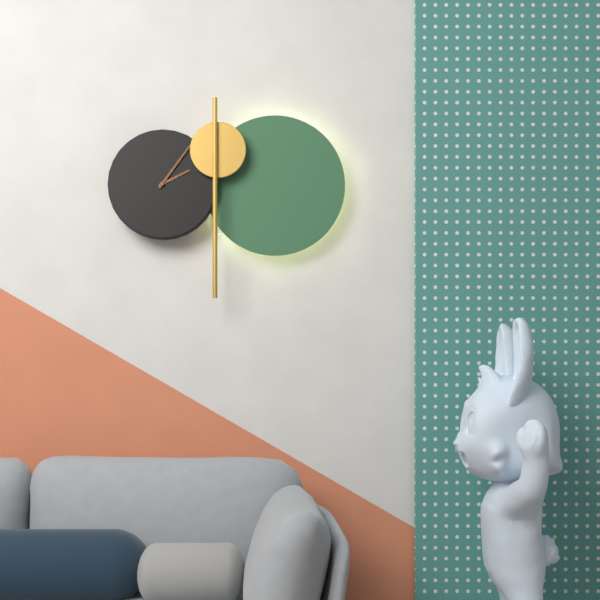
{"hour": 2, "minute": 6}
